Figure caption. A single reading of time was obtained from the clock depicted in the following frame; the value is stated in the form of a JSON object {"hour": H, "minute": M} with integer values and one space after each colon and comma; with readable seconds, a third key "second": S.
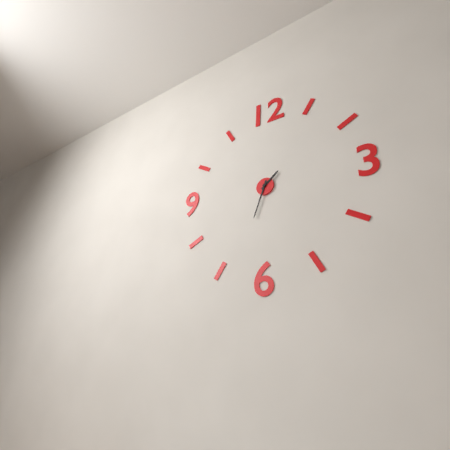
{"hour": 1, "minute": 33}
